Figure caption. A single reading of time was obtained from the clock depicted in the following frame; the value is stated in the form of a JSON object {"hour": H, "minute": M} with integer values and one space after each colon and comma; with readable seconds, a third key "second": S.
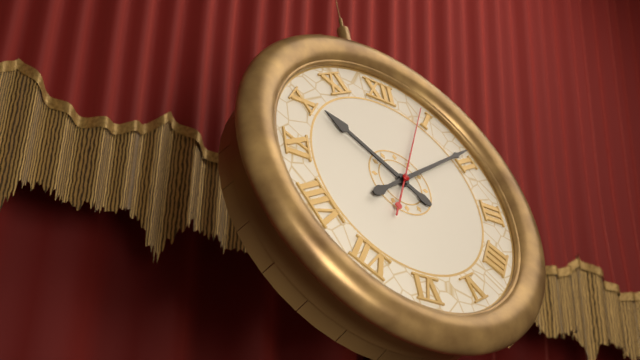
{"hour": 10, "minute": 9, "second": 4}
